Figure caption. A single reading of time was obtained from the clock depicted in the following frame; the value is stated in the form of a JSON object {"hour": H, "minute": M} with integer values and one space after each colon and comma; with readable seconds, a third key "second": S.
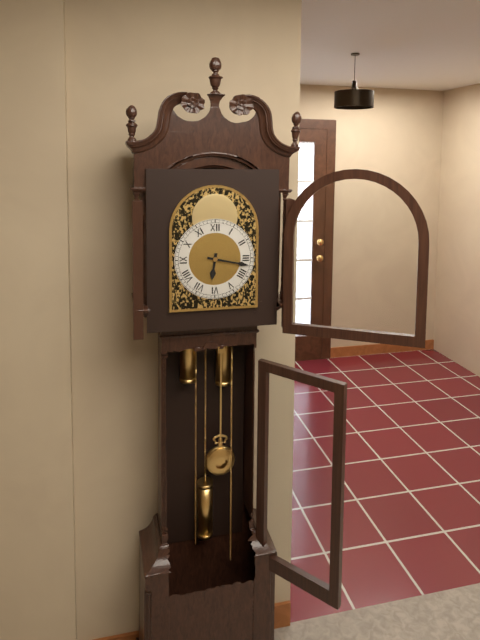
{"hour": 6, "minute": 17}
